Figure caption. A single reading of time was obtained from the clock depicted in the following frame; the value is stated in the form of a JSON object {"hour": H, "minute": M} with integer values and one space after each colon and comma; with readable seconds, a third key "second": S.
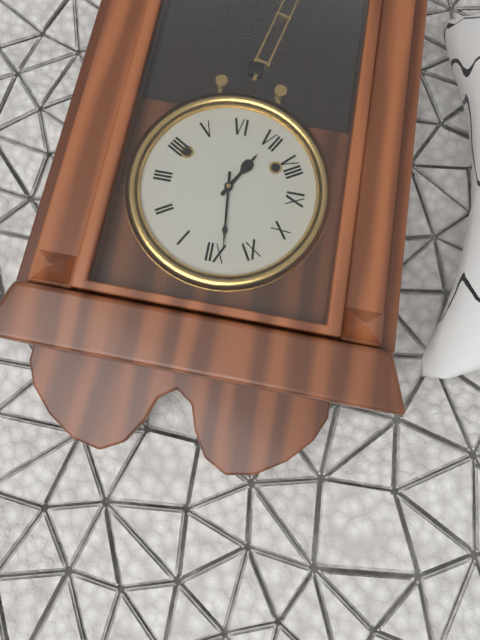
{"hour": 6, "minute": 59}
